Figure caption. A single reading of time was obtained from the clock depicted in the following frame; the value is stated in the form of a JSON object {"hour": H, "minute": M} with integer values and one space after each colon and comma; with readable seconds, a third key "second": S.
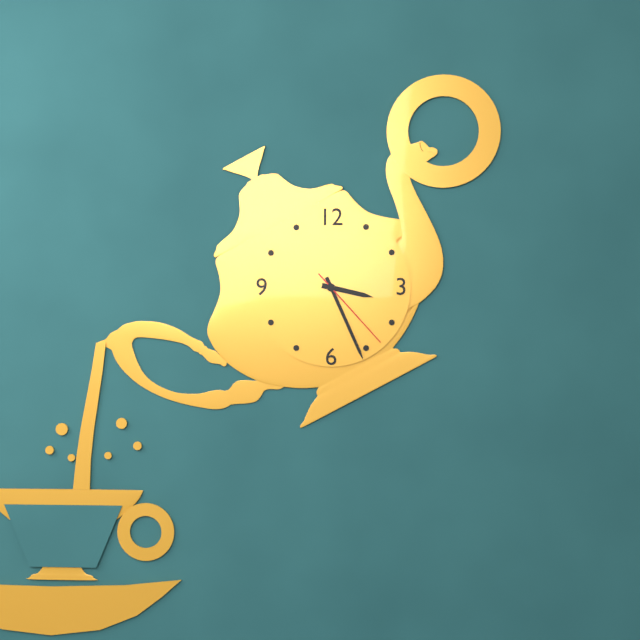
{"hour": 3, "minute": 26, "second": 23}
